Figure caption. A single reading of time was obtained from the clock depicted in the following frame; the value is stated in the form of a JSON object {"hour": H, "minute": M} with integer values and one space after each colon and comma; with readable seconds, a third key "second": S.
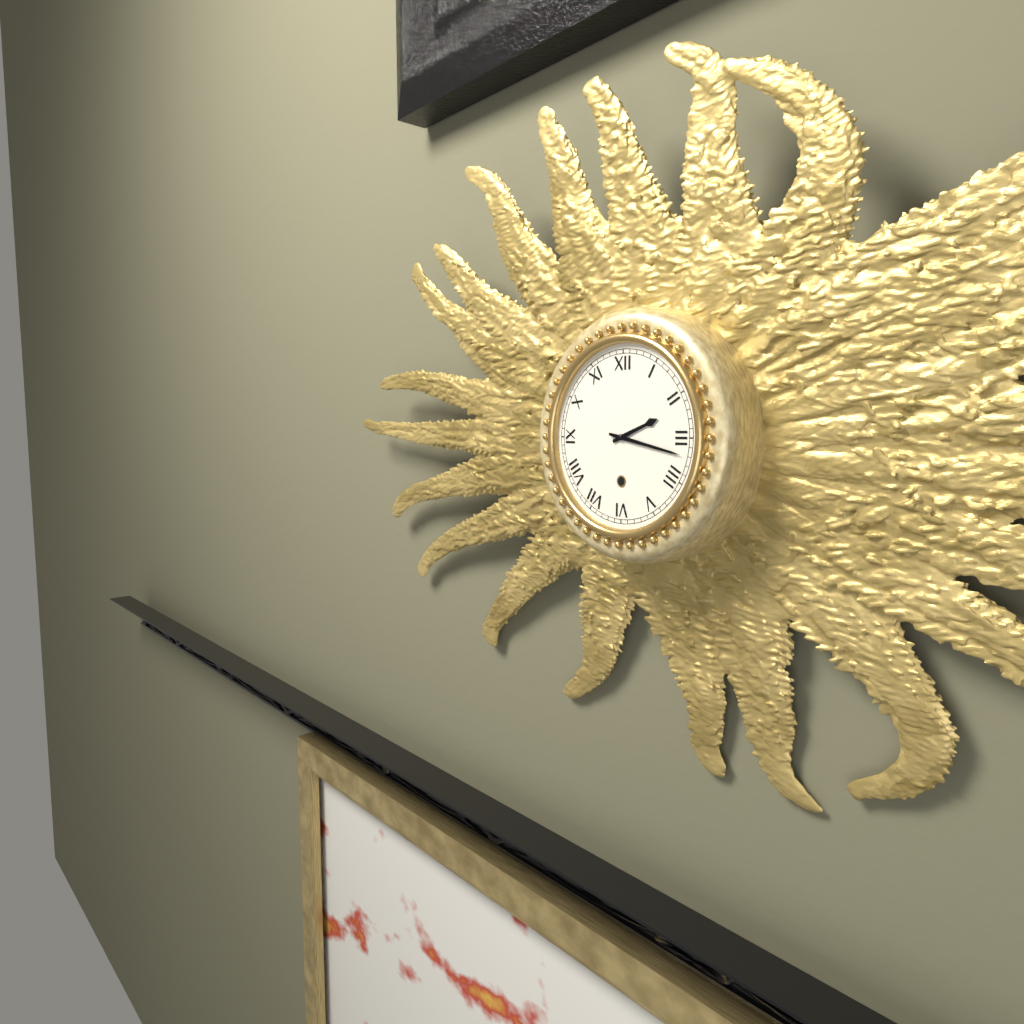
{"hour": 2, "minute": 17}
